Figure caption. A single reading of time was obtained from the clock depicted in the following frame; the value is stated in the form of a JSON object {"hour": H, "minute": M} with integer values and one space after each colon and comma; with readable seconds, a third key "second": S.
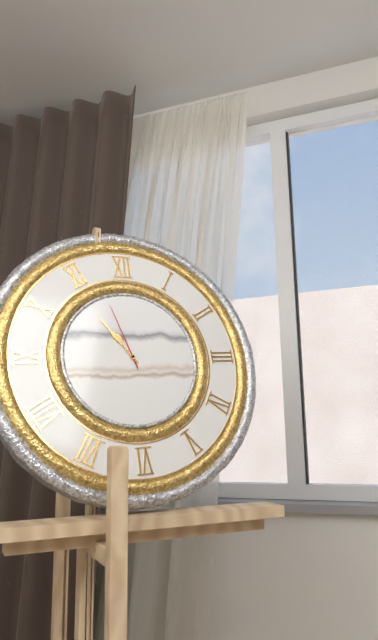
{"hour": 10, "minute": 54, "second": 57}
